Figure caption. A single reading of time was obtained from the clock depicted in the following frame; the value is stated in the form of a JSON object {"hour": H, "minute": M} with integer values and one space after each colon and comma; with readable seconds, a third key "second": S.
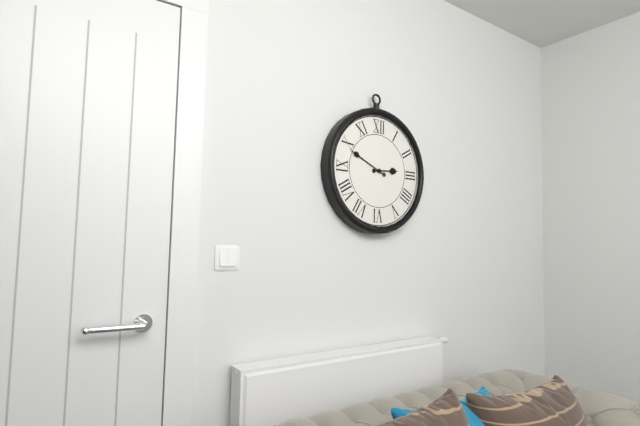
{"hour": 2, "minute": 49}
